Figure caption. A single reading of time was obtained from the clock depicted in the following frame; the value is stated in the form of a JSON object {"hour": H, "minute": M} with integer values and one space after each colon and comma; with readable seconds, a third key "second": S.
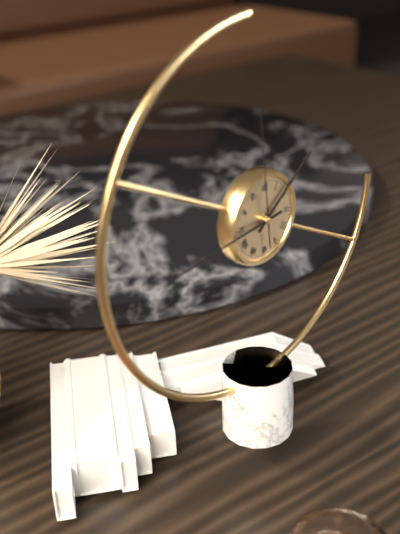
{"hour": 1, "minute": 44, "second": 59}
